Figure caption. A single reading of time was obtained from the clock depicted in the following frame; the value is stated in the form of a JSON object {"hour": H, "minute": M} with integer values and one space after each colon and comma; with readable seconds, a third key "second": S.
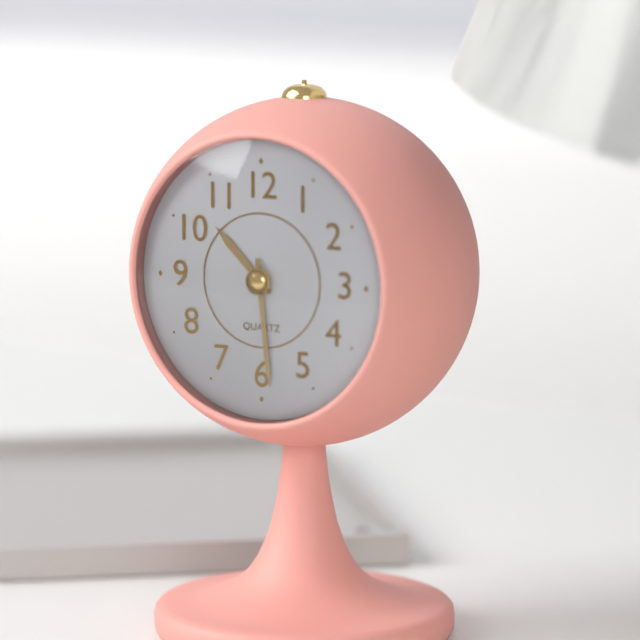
{"hour": 10, "minute": 29}
